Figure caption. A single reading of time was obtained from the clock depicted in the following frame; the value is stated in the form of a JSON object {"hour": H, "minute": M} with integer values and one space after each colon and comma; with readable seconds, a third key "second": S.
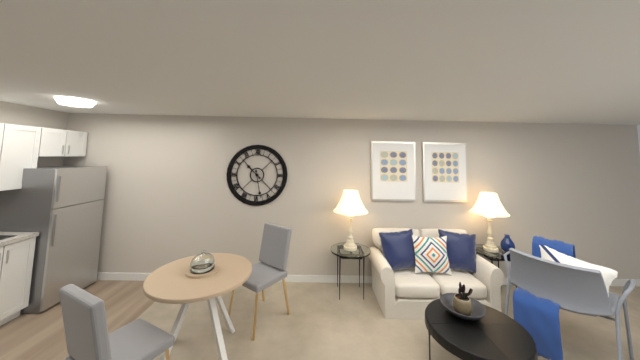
{"hour": 10, "minute": 28}
